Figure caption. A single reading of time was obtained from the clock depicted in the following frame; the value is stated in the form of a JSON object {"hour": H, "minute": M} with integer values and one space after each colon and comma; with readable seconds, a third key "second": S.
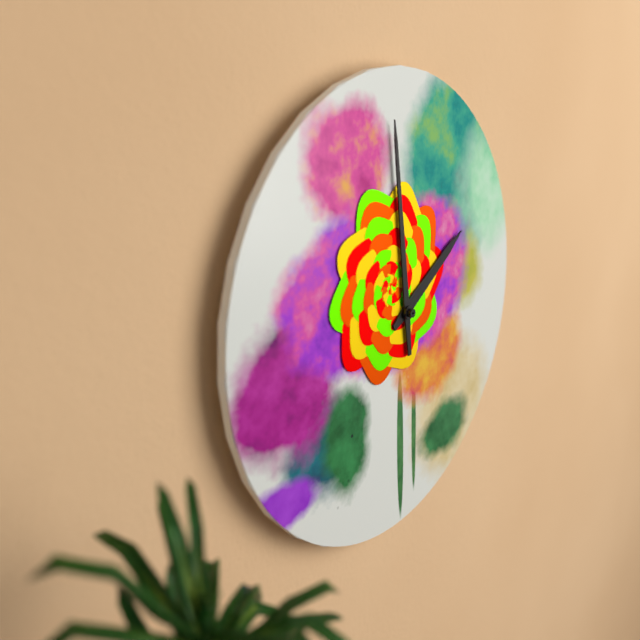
{"hour": 1, "minute": 59}
